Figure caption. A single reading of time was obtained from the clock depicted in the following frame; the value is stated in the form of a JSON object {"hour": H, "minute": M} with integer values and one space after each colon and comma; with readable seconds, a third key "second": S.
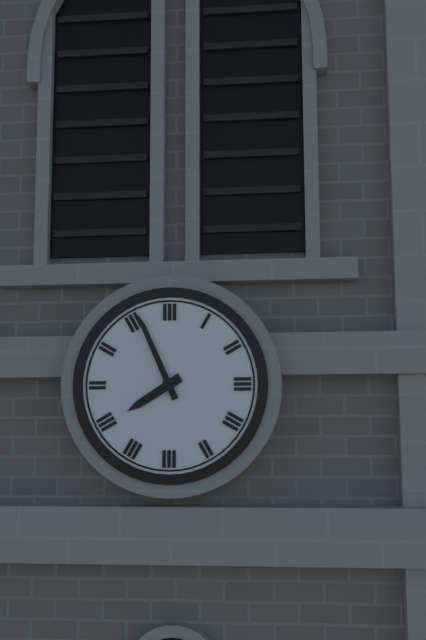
{"hour": 7, "minute": 56}
